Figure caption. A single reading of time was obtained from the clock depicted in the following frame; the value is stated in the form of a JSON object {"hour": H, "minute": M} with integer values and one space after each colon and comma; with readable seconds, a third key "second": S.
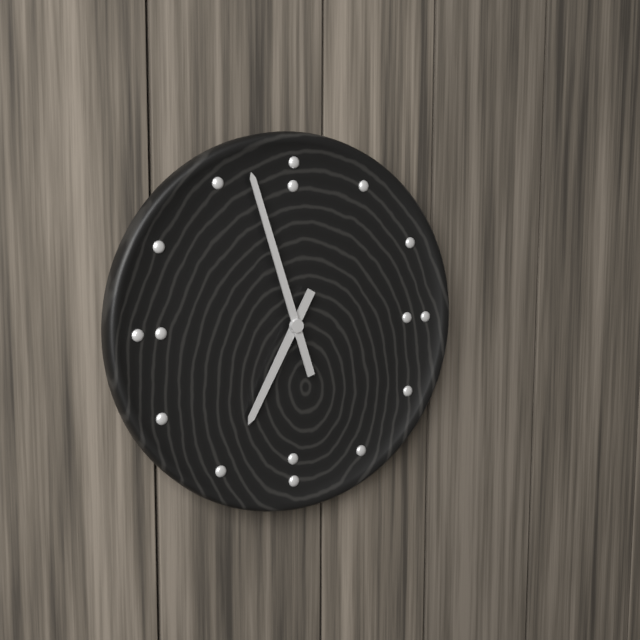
{"hour": 6, "minute": 57}
